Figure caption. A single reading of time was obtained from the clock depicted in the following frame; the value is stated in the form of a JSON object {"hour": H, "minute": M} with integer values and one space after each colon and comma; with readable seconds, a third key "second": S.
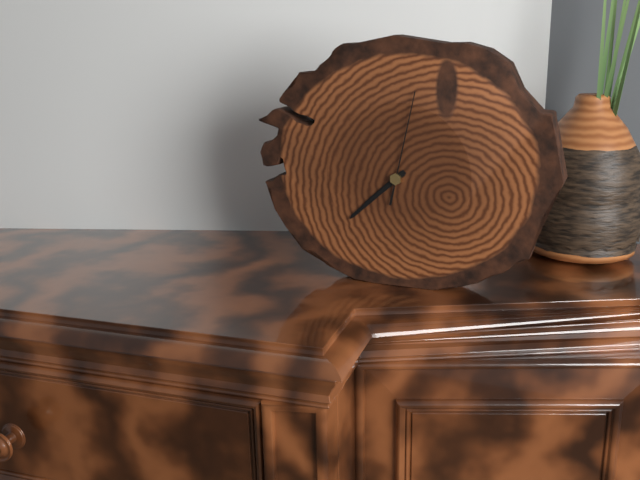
{"hour": 7, "minute": 38, "second": 2}
